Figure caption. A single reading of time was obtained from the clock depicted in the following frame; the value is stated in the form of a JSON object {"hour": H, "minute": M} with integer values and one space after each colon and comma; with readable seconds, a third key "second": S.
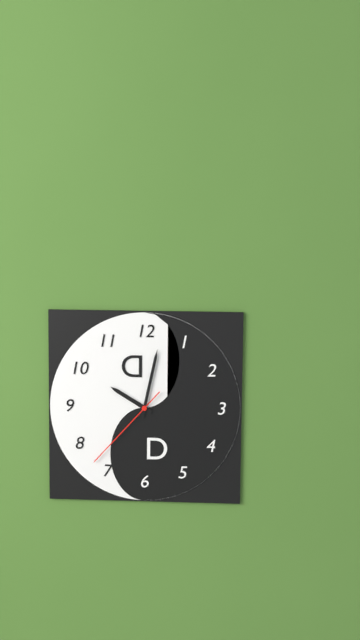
{"hour": 10, "minute": 2, "second": 37}
